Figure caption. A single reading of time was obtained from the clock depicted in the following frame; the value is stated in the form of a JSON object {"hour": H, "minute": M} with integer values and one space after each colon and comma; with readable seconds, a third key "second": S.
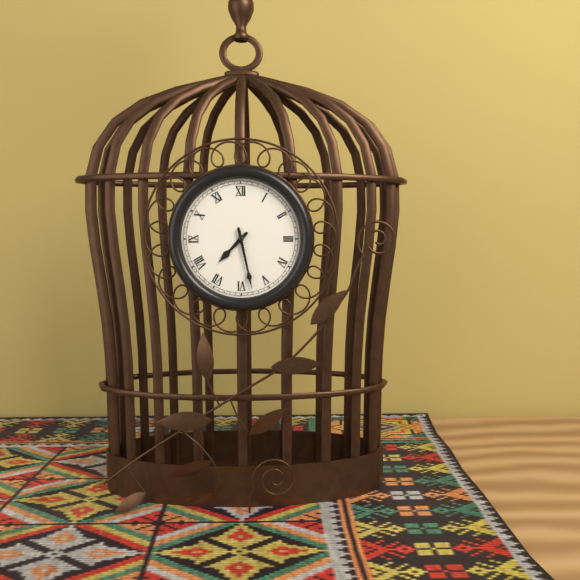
{"hour": 7, "minute": 28}
